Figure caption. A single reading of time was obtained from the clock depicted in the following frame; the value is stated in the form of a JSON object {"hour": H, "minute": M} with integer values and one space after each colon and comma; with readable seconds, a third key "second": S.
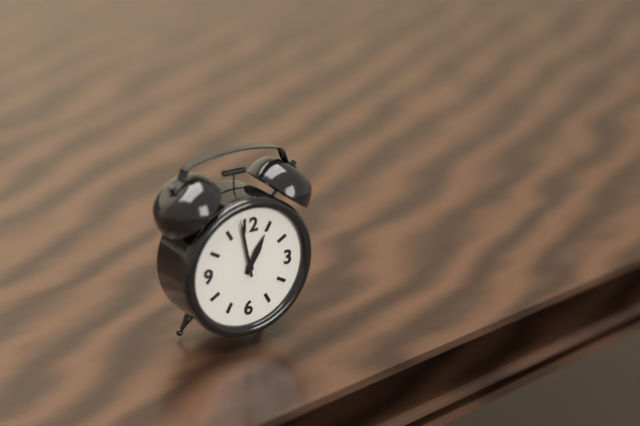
{"hour": 12, "minute": 58}
